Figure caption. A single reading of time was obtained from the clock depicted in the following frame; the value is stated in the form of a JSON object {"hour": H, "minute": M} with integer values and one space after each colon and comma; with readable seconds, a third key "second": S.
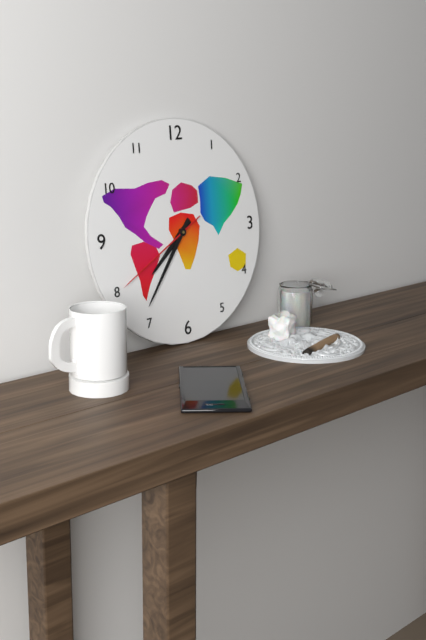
{"hour": 7, "minute": 36, "second": 40}
